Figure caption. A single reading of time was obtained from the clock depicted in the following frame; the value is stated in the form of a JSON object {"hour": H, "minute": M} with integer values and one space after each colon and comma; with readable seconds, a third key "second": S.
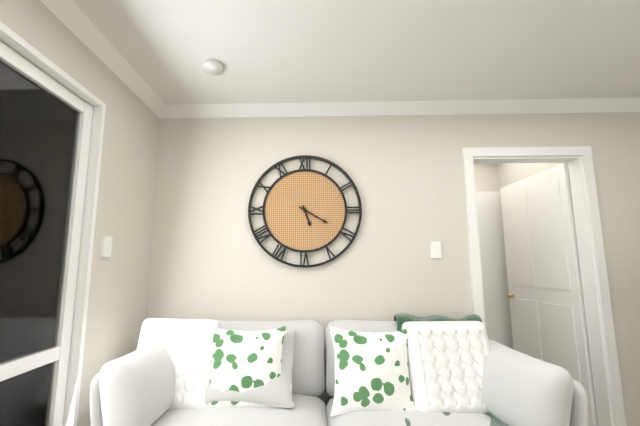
{"hour": 5, "minute": 20}
